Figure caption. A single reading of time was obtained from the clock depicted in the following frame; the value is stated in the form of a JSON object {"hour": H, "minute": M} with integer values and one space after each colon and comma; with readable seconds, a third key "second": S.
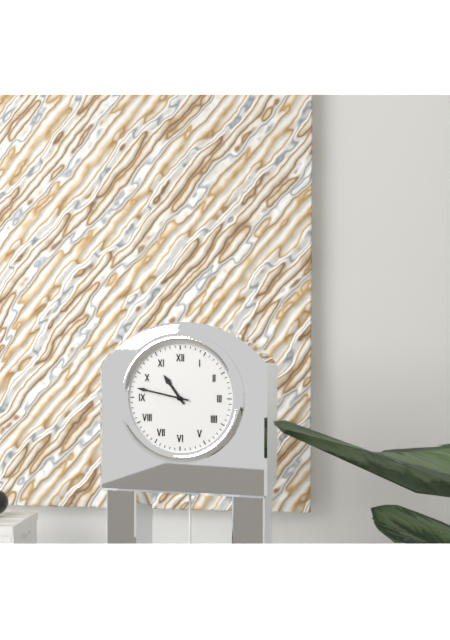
{"hour": 10, "minute": 47}
